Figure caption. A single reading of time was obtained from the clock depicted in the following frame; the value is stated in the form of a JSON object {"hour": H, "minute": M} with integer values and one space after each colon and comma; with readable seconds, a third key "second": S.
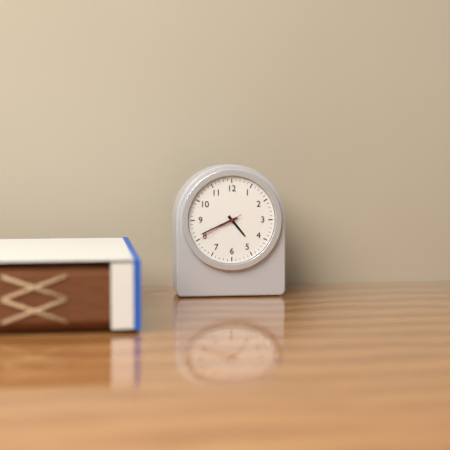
{"hour": 4, "minute": 41}
